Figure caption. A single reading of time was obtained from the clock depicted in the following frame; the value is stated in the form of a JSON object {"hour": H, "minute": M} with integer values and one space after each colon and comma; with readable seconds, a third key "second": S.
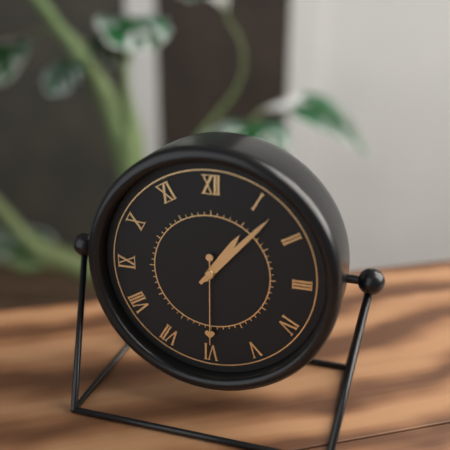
{"hour": 1, "minute": 7, "second": 30}
